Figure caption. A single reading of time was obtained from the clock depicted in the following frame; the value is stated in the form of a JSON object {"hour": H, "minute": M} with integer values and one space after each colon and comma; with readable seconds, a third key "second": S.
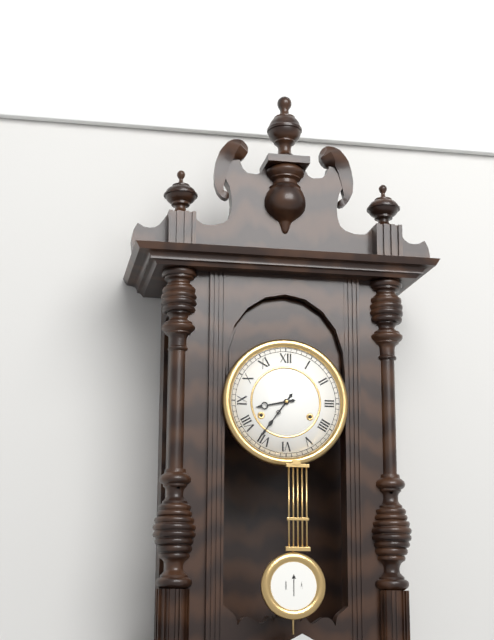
{"hour": 8, "minute": 36}
